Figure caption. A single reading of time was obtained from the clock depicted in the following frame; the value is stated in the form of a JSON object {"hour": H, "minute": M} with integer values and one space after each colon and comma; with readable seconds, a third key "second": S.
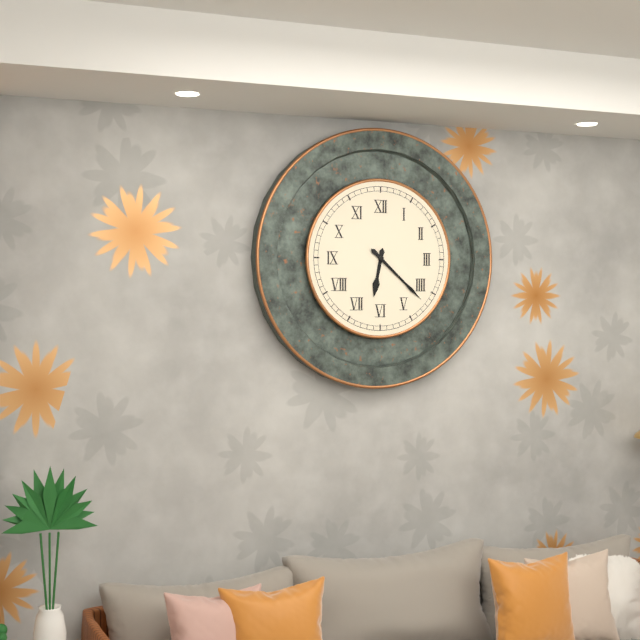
{"hour": 6, "minute": 22}
